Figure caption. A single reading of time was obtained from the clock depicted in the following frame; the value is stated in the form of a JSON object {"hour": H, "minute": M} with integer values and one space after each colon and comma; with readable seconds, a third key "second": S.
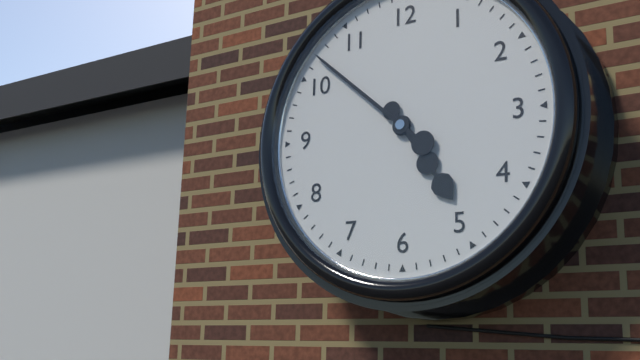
{"hour": 4, "minute": 52}
